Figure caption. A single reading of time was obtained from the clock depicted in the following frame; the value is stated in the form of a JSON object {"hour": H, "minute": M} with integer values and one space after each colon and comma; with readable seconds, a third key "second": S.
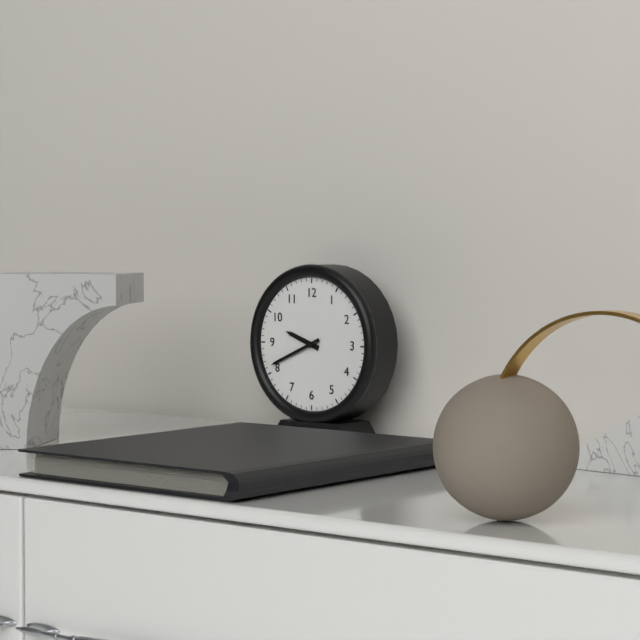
{"hour": 9, "minute": 41}
